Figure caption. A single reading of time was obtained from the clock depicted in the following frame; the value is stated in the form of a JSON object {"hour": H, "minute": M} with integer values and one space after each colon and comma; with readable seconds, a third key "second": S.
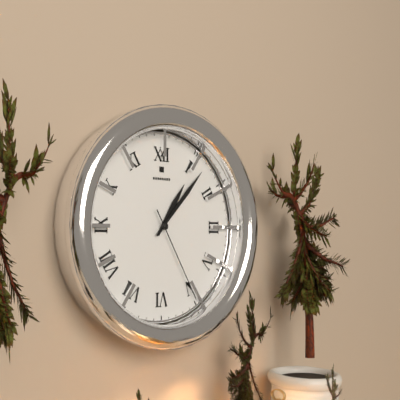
{"hour": 1, "minute": 7, "second": 25}
